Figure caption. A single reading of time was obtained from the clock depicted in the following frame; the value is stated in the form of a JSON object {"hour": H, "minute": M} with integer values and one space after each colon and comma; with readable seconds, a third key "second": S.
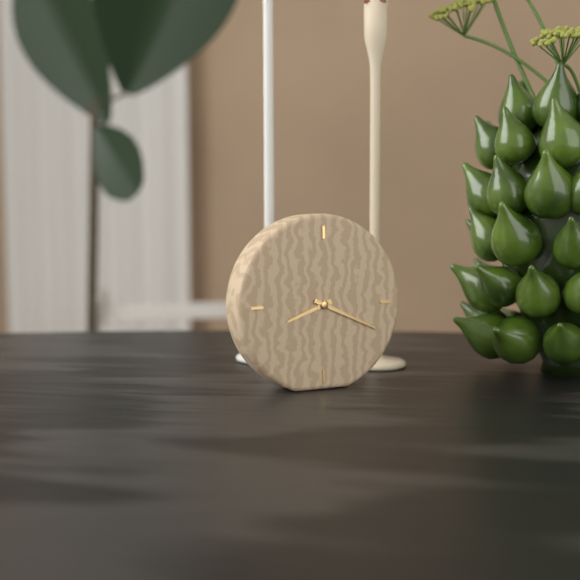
{"hour": 8, "minute": 19}
